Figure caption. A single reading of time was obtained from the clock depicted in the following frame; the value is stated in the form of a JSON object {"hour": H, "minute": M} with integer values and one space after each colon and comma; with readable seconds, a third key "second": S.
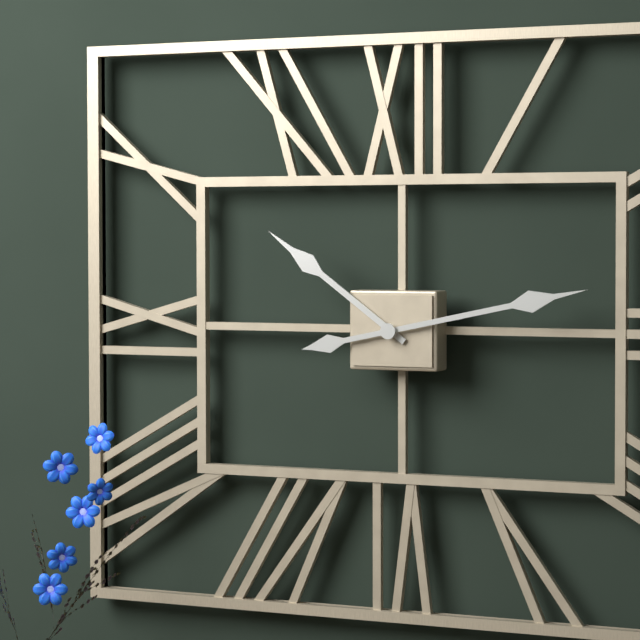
{"hour": 10, "minute": 13}
